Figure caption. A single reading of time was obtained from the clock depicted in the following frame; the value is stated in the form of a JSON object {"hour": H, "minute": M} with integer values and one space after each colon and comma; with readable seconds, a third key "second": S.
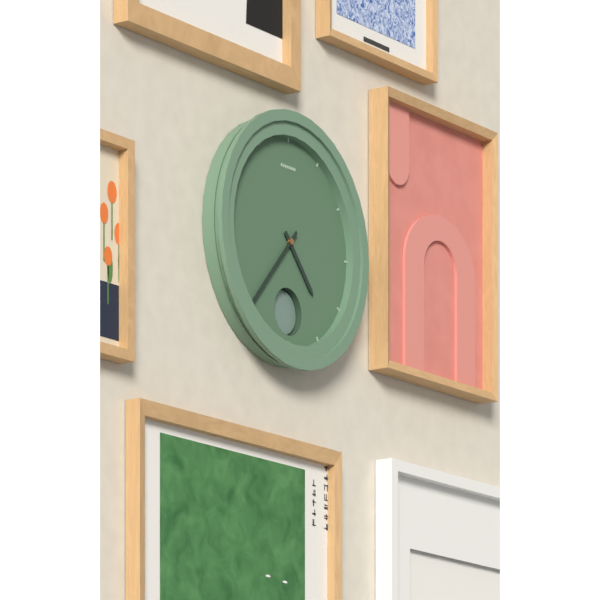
{"hour": 4, "minute": 37}
